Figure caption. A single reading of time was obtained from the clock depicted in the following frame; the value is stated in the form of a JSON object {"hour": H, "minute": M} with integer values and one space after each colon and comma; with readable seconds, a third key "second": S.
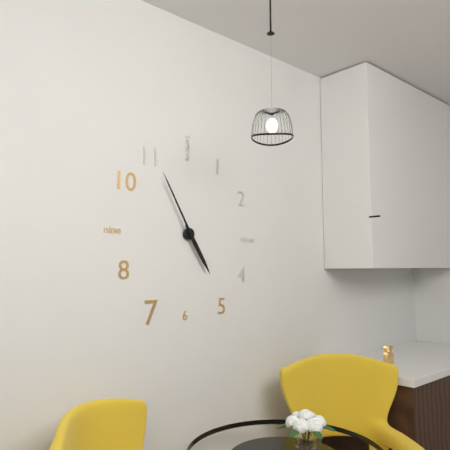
{"hour": 4, "minute": 55}
